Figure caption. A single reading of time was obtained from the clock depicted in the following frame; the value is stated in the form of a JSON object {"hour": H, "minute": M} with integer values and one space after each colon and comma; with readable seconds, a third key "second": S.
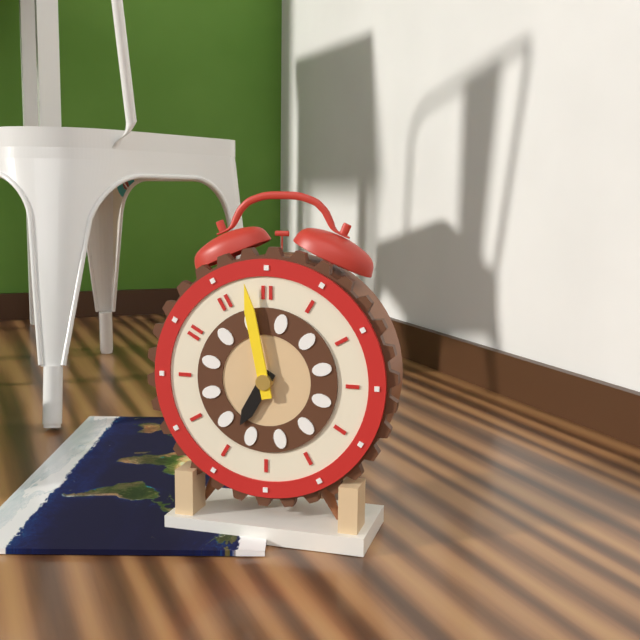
{"hour": 6, "minute": 58}
